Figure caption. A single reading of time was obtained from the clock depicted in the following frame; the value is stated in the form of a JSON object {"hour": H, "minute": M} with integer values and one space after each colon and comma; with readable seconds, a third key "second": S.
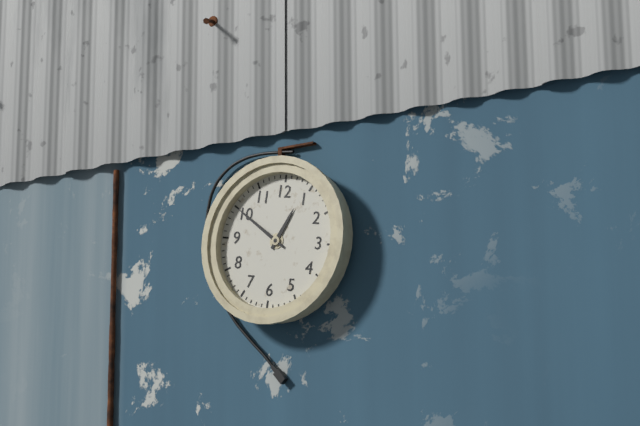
{"hour": 12, "minute": 50}
